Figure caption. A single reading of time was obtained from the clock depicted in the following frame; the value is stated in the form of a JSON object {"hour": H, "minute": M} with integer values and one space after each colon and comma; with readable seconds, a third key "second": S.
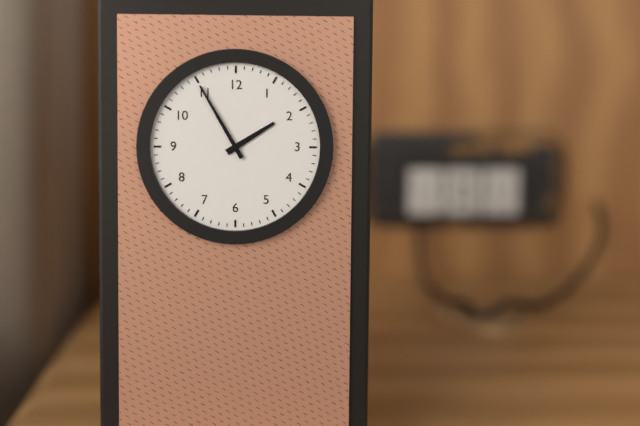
{"hour": 1, "minute": 55}
